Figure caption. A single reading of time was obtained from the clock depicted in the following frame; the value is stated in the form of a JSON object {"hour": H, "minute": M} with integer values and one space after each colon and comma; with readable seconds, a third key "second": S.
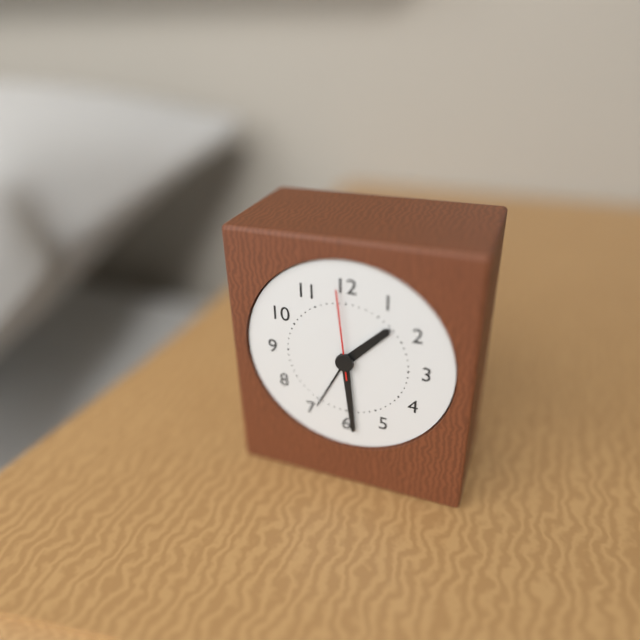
{"hour": 1, "minute": 29, "second": 59}
